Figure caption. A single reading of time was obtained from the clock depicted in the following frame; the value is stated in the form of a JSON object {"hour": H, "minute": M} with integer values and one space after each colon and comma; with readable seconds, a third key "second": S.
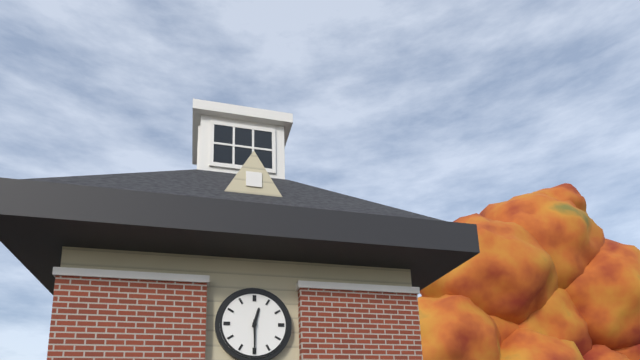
{"hour": 12, "minute": 30}
